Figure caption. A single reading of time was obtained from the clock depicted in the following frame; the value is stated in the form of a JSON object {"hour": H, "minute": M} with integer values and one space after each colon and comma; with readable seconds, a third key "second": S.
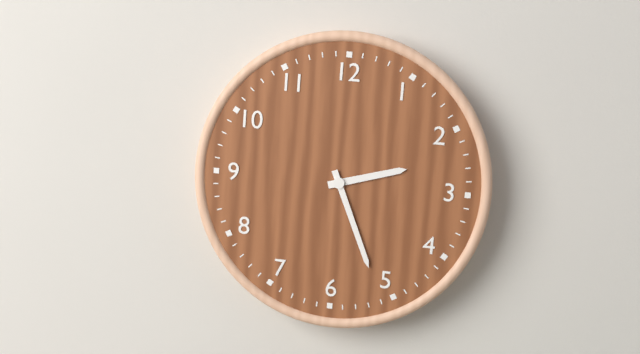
{"hour": 2, "minute": 26}
